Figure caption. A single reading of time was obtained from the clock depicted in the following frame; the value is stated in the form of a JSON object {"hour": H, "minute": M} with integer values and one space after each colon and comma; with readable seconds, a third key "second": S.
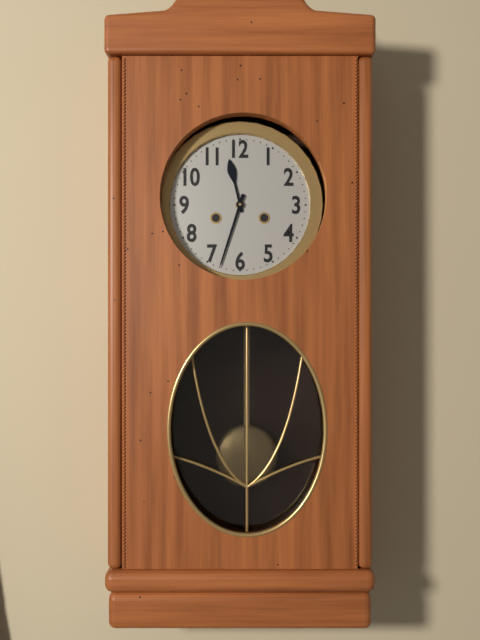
{"hour": 11, "minute": 33}
